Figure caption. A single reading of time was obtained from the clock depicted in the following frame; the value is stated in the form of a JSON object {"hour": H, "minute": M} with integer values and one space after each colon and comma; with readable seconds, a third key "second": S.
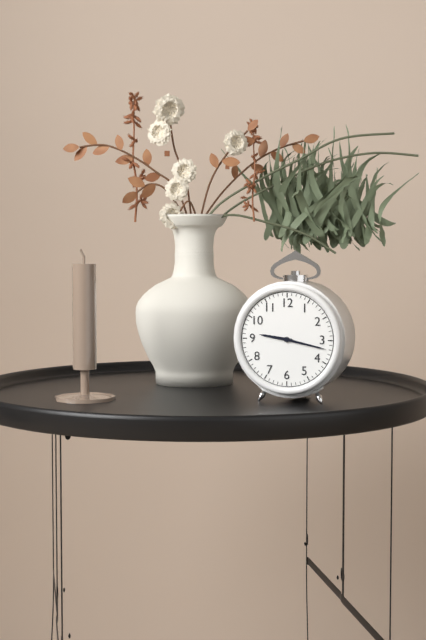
{"hour": 9, "minute": 17}
